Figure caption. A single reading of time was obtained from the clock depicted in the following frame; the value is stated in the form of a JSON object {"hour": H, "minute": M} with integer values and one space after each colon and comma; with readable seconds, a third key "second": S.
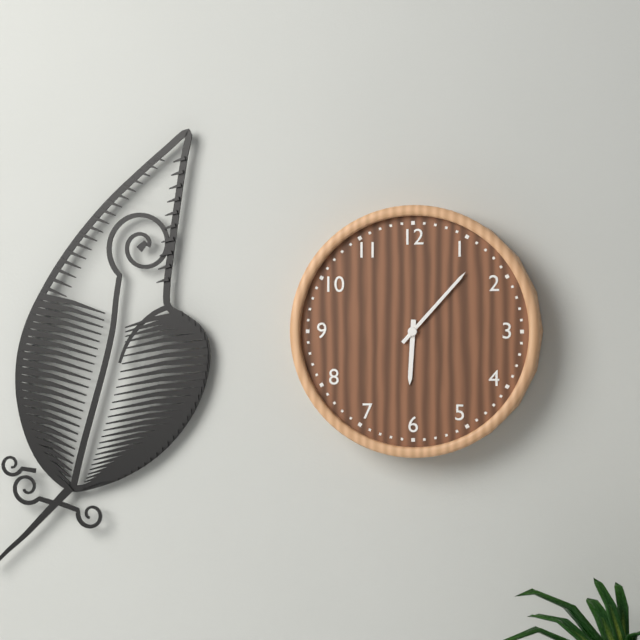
{"hour": 6, "minute": 7}
